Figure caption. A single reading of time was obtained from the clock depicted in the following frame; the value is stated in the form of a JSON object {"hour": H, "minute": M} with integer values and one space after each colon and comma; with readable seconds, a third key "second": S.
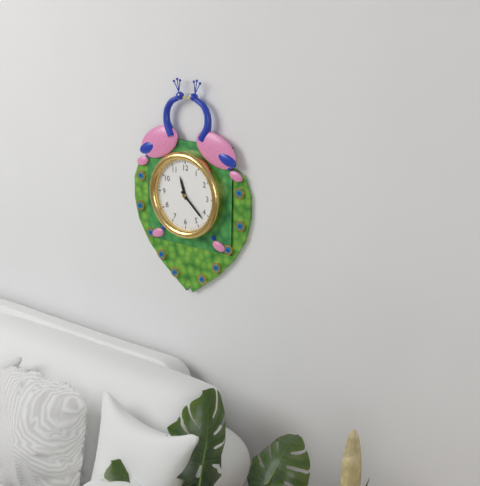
{"hour": 11, "minute": 22}
